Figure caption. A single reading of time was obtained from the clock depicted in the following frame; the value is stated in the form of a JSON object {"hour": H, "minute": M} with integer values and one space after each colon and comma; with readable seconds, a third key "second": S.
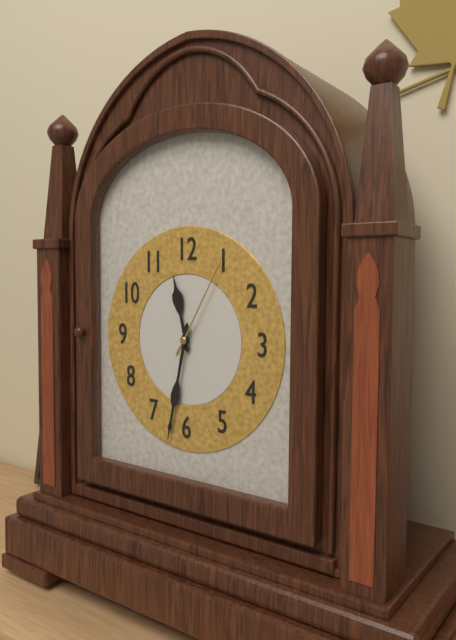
{"hour": 11, "minute": 32, "second": 5}
